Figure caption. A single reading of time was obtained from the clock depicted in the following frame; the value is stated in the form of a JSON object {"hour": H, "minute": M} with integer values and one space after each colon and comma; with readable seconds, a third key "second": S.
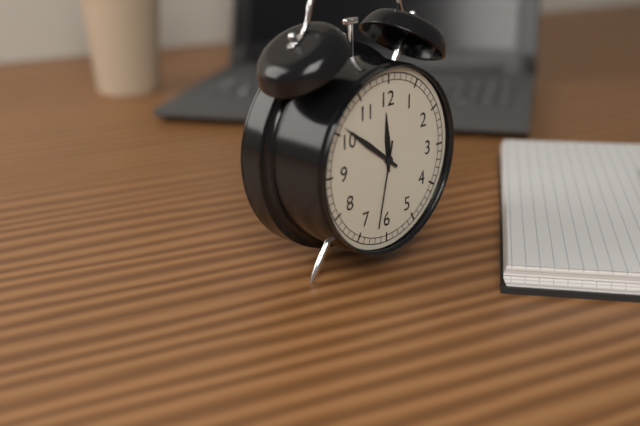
{"hour": 11, "minute": 51, "second": 32}
